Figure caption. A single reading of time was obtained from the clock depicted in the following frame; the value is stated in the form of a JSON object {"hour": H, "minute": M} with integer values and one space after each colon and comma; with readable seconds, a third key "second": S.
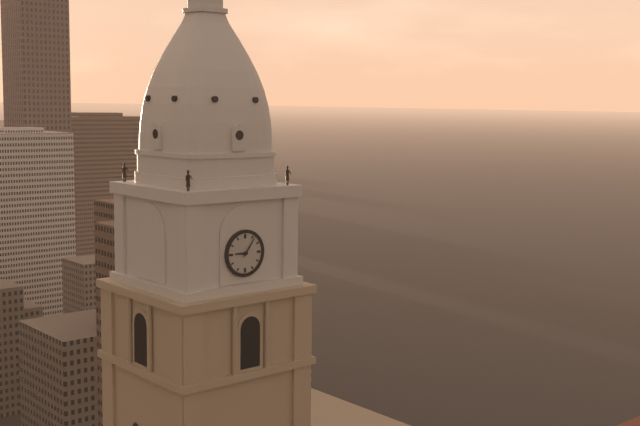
{"hour": 9, "minute": 6}
